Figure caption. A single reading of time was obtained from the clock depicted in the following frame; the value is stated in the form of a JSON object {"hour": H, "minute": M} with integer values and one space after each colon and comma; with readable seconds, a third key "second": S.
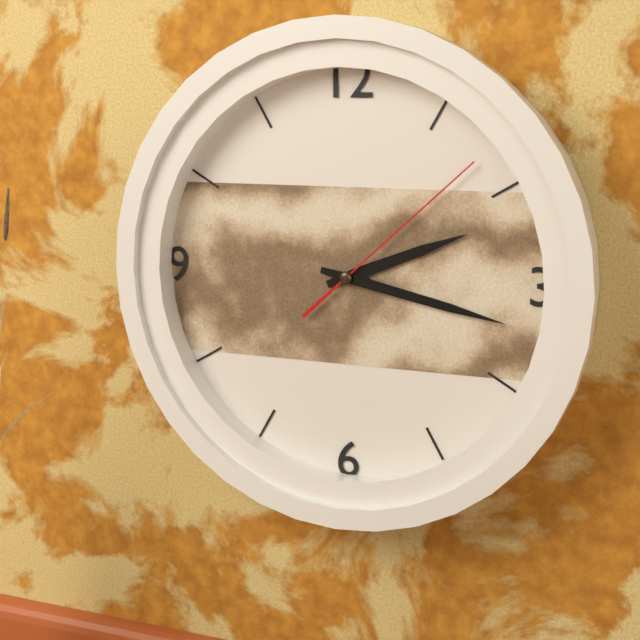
{"hour": 2, "minute": 17, "second": 8}
